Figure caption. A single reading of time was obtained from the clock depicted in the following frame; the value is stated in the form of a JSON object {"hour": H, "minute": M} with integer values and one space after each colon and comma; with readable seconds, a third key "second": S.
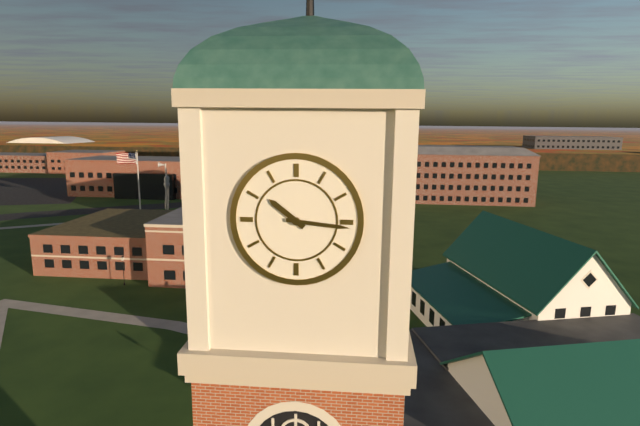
{"hour": 10, "minute": 16}
